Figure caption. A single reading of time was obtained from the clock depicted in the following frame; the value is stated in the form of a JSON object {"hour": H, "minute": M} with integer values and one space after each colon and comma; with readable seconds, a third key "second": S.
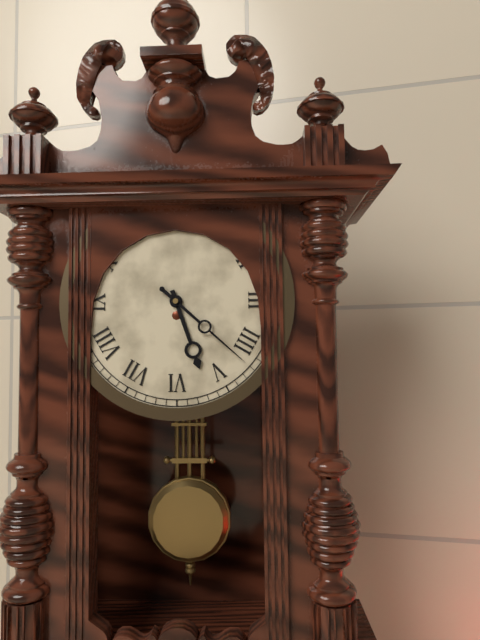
{"hour": 5, "minute": 22}
